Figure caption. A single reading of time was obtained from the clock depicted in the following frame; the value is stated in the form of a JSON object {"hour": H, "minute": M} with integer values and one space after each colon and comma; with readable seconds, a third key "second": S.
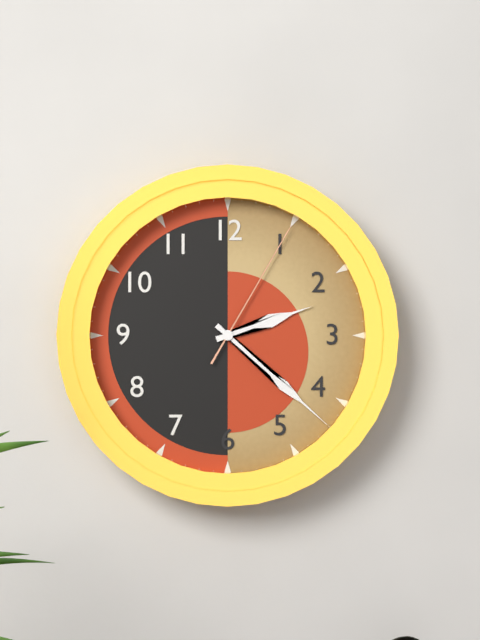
{"hour": 2, "minute": 22, "second": 5}
